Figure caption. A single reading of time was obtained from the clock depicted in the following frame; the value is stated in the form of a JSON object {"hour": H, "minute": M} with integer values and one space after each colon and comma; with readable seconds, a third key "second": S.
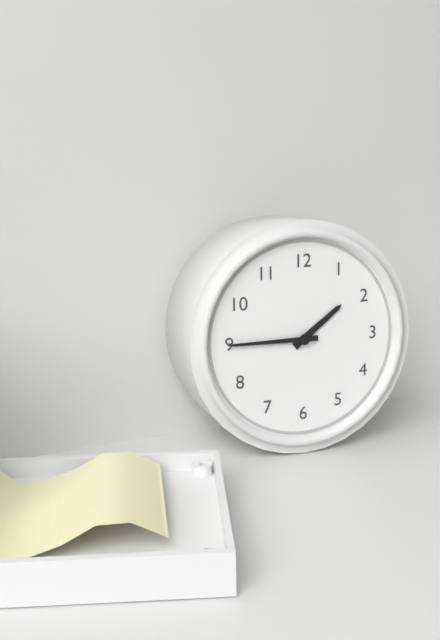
{"hour": 1, "minute": 45}
